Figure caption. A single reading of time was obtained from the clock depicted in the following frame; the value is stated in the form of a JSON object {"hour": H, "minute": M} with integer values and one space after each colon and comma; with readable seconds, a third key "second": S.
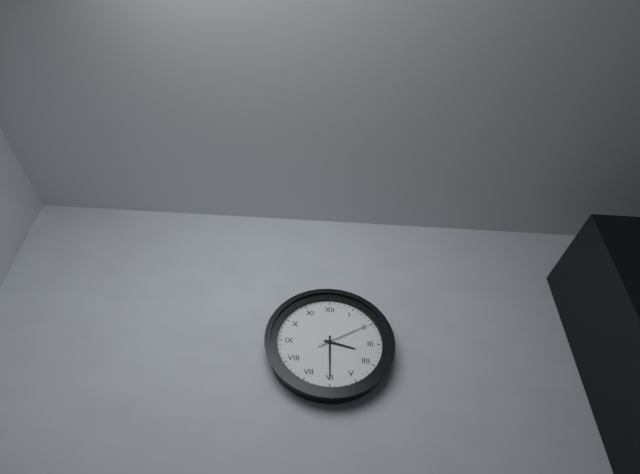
{"hour": 3, "minute": 30, "second": 10}
